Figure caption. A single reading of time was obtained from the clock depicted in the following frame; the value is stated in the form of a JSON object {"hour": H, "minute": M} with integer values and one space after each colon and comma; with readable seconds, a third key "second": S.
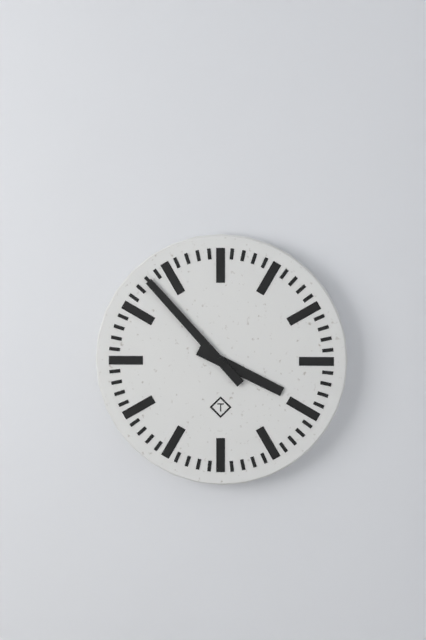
{"hour": 3, "minute": 53}
